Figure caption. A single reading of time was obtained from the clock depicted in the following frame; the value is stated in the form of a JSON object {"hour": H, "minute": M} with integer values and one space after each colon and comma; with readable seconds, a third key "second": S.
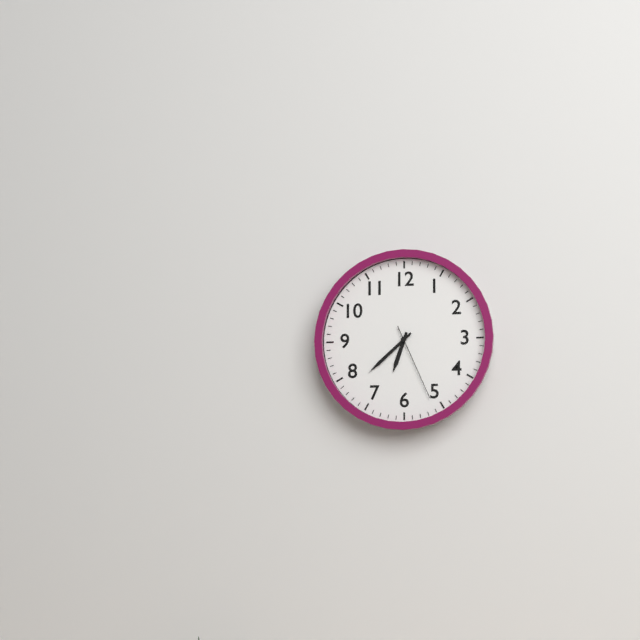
{"hour": 6, "minute": 38, "second": 26}
